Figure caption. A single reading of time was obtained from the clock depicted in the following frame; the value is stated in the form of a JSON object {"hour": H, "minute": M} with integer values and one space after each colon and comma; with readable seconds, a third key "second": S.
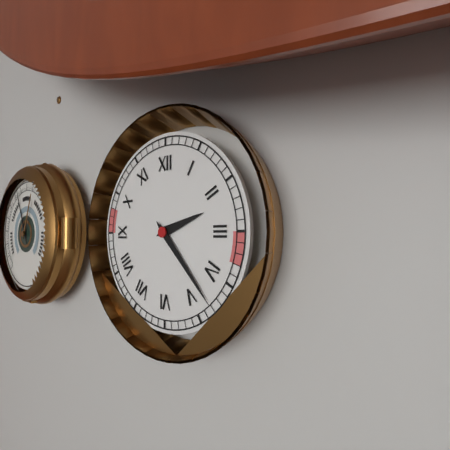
{"hour": 2, "minute": 23}
